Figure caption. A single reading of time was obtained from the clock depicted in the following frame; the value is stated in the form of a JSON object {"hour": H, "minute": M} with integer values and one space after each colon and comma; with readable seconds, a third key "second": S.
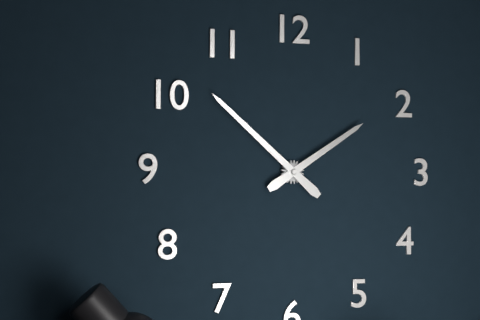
{"hour": 1, "minute": 52}
